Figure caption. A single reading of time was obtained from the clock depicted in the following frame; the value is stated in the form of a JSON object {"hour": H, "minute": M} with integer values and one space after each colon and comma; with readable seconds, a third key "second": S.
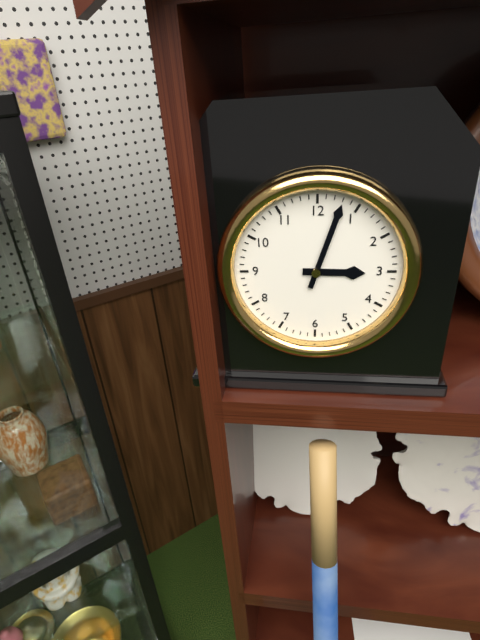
{"hour": 3, "minute": 3}
